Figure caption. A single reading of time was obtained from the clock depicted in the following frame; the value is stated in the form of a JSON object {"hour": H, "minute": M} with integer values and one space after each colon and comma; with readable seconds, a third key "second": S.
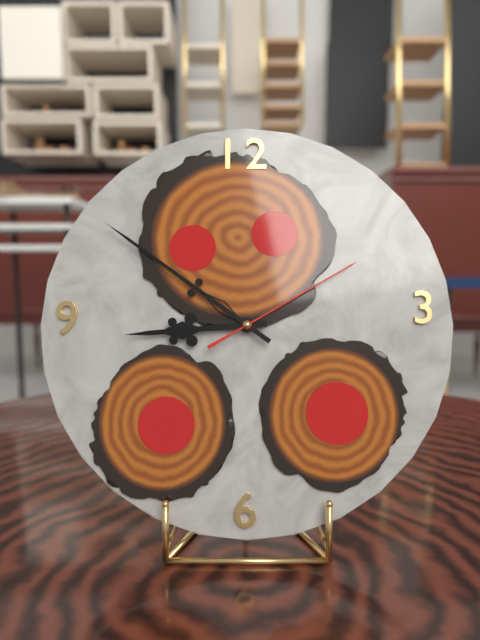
{"hour": 8, "minute": 51, "second": 10}
